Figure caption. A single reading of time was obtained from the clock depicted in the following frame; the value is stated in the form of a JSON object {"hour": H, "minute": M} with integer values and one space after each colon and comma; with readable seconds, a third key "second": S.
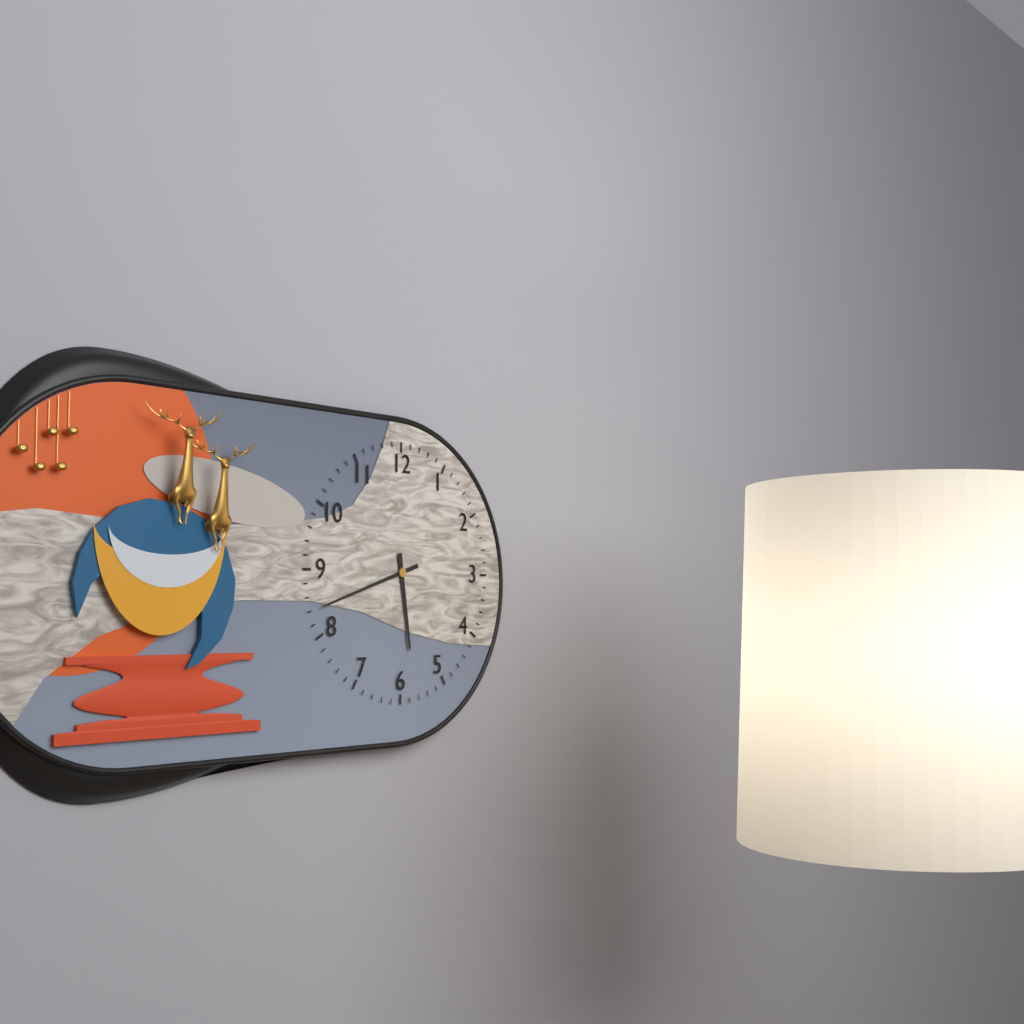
{"hour": 5, "minute": 42}
